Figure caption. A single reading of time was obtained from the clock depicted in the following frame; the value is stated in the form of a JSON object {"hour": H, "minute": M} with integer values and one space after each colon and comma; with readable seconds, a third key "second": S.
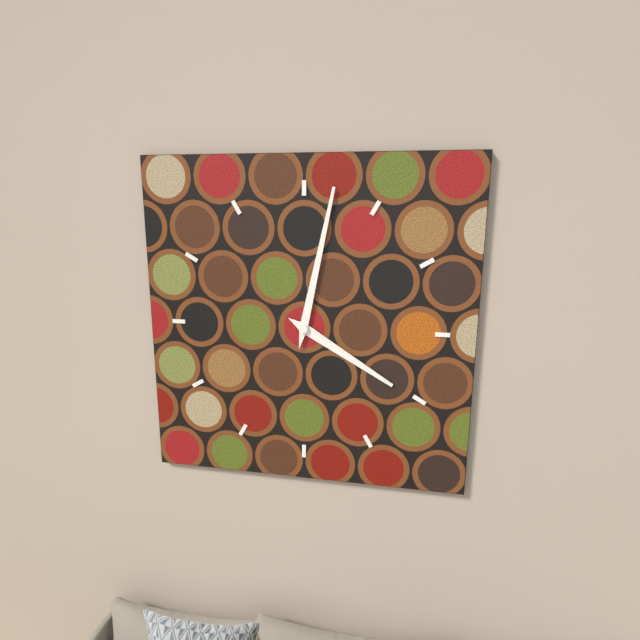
{"hour": 4, "minute": 2}
